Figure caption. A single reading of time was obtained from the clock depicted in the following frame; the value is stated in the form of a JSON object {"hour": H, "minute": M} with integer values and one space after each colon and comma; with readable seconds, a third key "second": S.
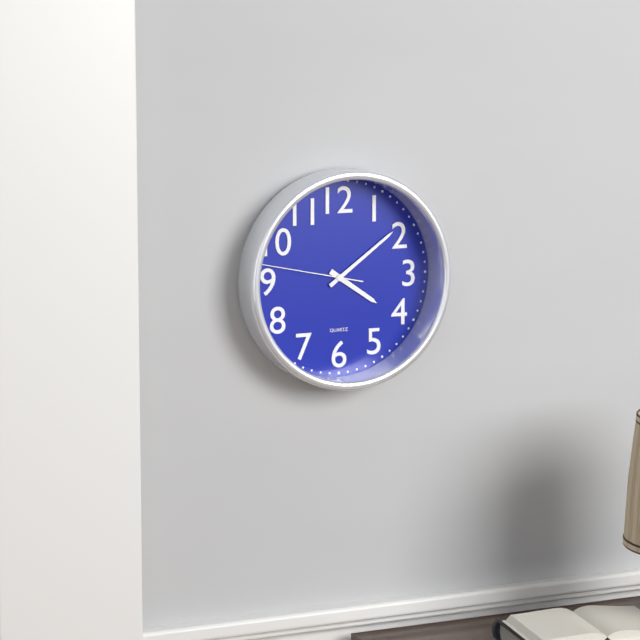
{"hour": 4, "minute": 9, "second": 47}
